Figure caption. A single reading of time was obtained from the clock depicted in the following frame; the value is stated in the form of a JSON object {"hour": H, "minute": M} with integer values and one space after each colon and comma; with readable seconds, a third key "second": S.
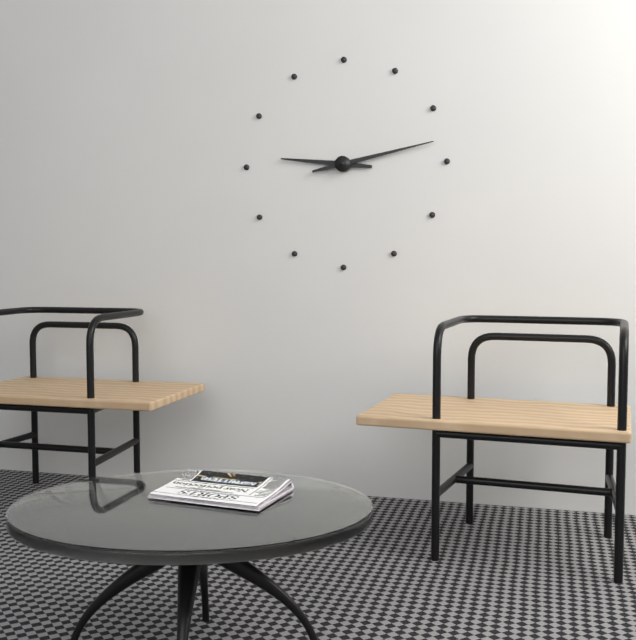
{"hour": 9, "minute": 13}
